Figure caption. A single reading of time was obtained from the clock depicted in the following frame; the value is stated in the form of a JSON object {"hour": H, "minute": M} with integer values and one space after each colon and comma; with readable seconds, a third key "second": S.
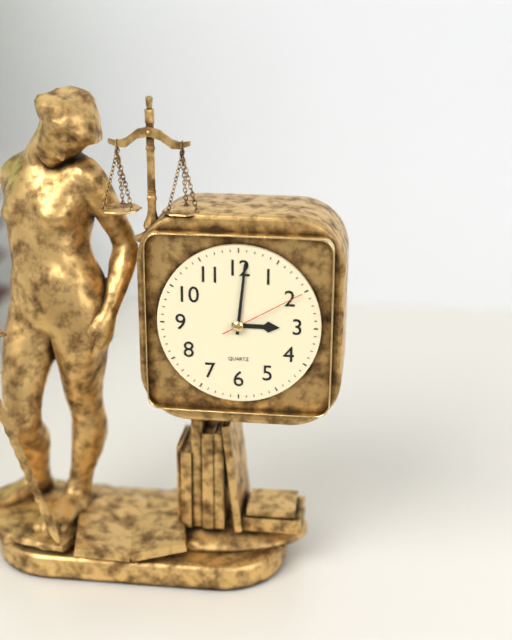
{"hour": 3, "minute": 1, "second": 10}
